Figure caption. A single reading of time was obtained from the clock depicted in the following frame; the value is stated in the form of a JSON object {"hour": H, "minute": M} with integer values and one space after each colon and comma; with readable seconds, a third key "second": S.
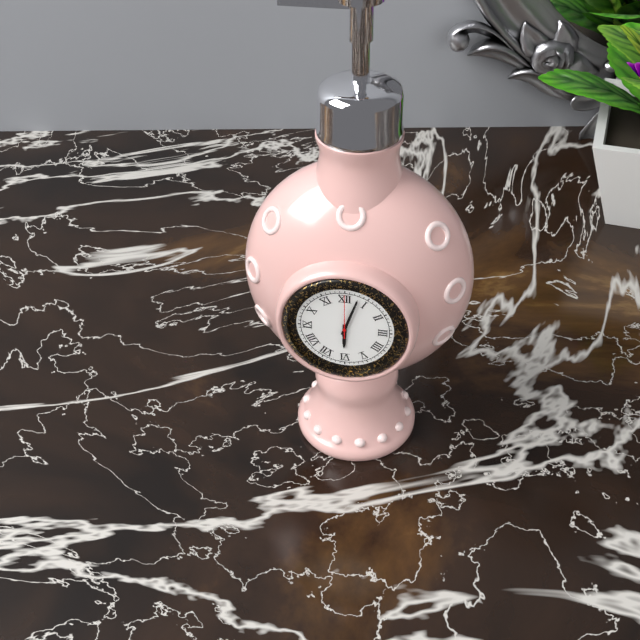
{"hour": 6, "minute": 3}
